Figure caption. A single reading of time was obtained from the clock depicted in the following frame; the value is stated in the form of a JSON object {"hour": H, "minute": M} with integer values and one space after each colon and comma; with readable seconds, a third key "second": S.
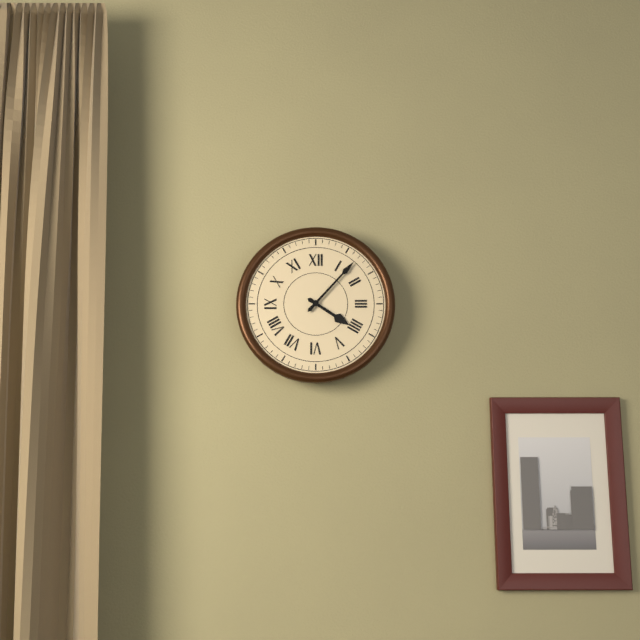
{"hour": 4, "minute": 7}
